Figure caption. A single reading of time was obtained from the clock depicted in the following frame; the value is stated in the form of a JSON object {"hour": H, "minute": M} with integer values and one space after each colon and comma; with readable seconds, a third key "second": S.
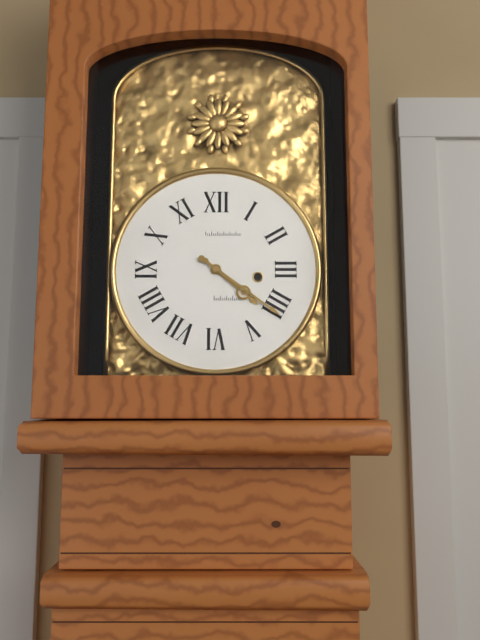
{"hour": 4, "minute": 21}
